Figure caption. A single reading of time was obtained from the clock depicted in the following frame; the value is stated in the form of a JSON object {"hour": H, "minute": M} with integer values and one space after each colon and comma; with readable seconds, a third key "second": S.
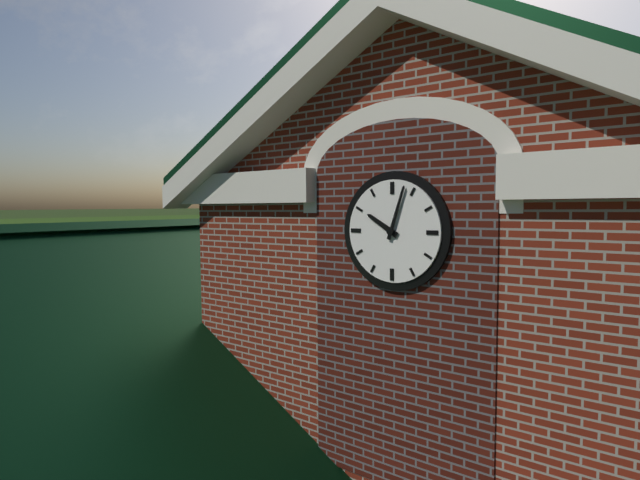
{"hour": 10, "minute": 3}
